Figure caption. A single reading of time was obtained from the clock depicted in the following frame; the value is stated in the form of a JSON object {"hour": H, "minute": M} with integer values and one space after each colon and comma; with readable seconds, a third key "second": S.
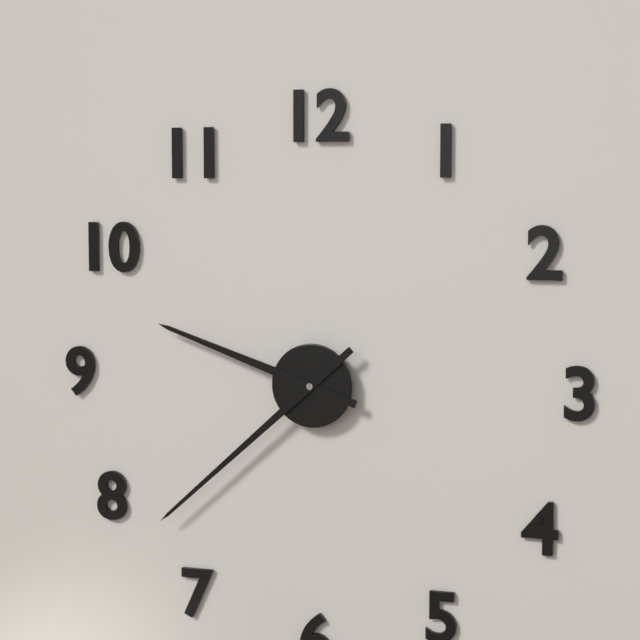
{"hour": 9, "minute": 38}
